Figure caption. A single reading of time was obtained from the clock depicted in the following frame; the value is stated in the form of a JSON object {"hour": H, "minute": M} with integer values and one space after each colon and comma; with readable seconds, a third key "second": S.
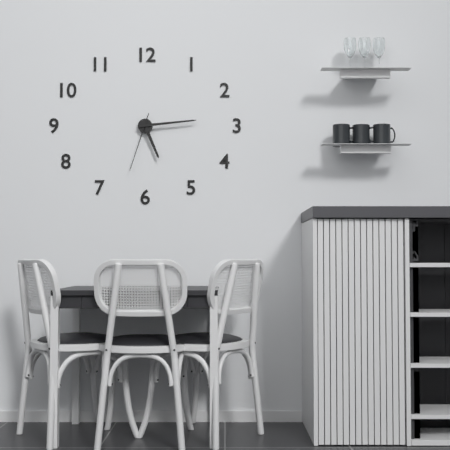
{"hour": 5, "minute": 14, "second": 33}
